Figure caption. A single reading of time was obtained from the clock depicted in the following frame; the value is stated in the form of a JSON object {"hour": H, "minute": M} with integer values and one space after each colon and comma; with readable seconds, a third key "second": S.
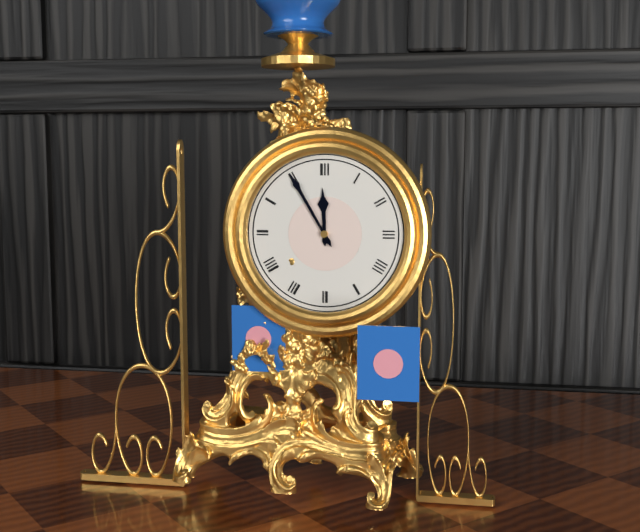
{"hour": 11, "minute": 55}
